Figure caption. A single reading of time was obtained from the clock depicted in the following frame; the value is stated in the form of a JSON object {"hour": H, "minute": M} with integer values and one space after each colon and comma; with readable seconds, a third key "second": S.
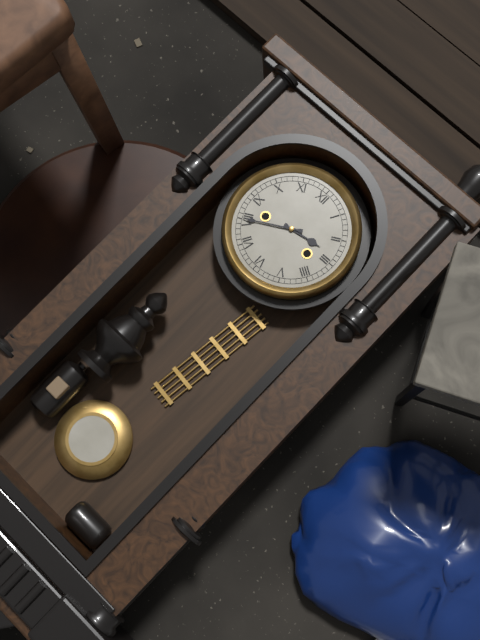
{"hour": 2, "minute": 40}
